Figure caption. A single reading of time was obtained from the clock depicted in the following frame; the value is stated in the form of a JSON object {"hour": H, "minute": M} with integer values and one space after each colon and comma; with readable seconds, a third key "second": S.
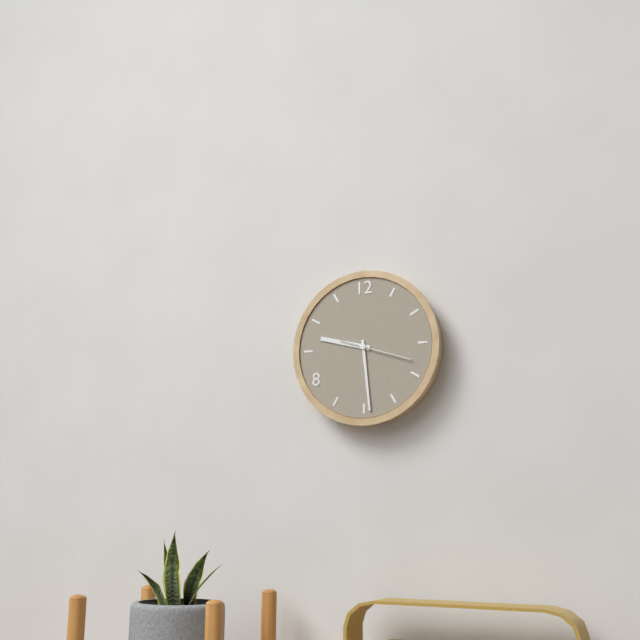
{"hour": 9, "minute": 29, "second": 18}
